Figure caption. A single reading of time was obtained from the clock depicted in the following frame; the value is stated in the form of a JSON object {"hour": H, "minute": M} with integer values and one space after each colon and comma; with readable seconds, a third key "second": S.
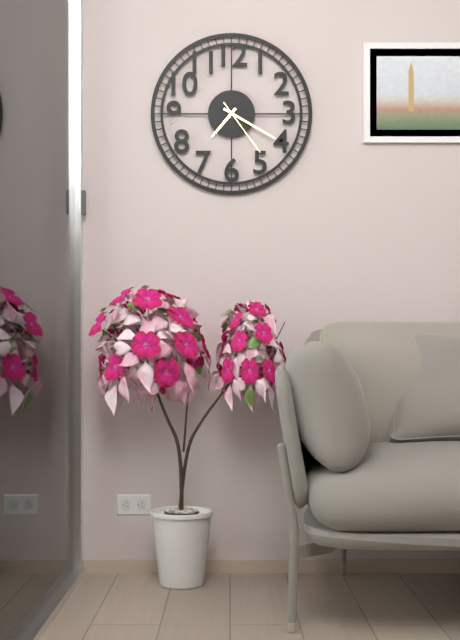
{"hour": 7, "minute": 20, "second": 24}
